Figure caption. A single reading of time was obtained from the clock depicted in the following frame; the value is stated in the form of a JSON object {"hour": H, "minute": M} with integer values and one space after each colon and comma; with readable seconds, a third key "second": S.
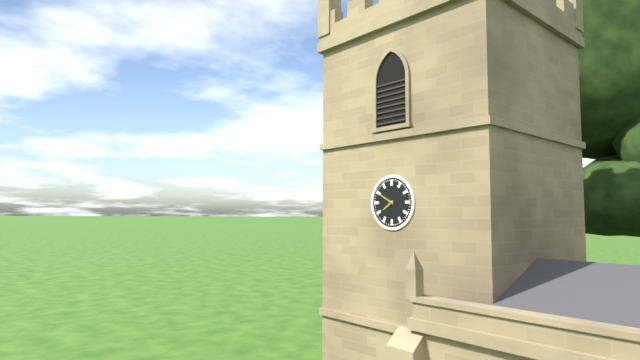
{"hour": 7, "minute": 50}
